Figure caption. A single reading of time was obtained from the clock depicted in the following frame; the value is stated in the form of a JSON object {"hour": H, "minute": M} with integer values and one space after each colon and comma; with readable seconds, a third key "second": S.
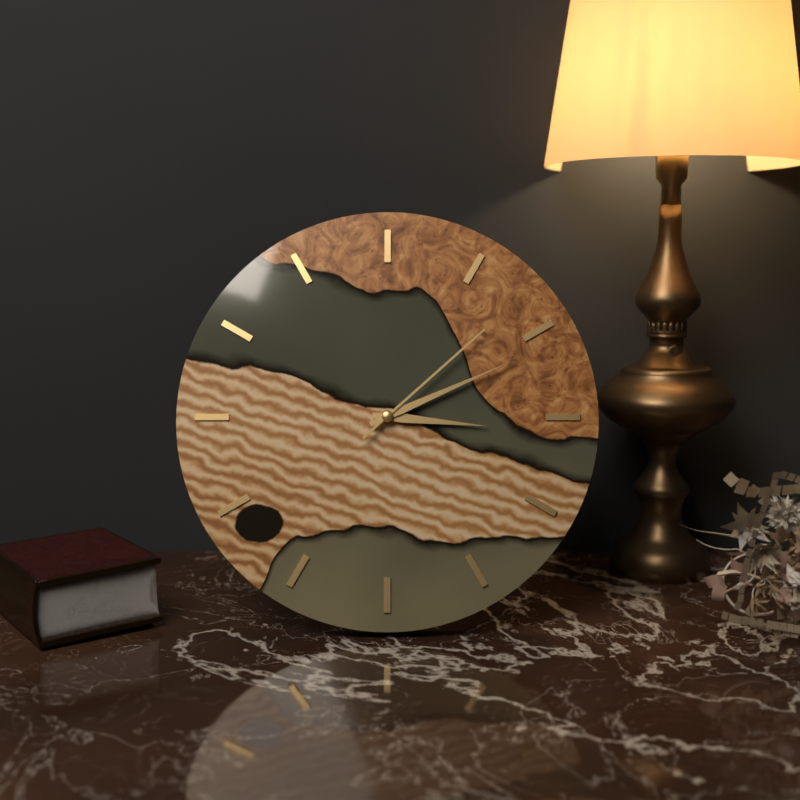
{"hour": 3, "minute": 11, "second": 8}
